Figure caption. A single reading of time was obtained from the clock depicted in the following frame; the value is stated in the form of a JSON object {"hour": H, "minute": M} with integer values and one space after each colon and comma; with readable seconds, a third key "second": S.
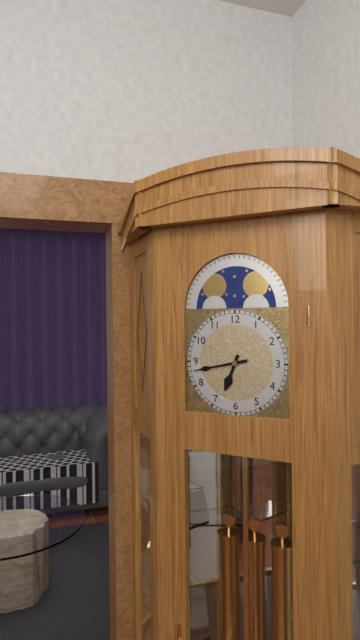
{"hour": 6, "minute": 43}
